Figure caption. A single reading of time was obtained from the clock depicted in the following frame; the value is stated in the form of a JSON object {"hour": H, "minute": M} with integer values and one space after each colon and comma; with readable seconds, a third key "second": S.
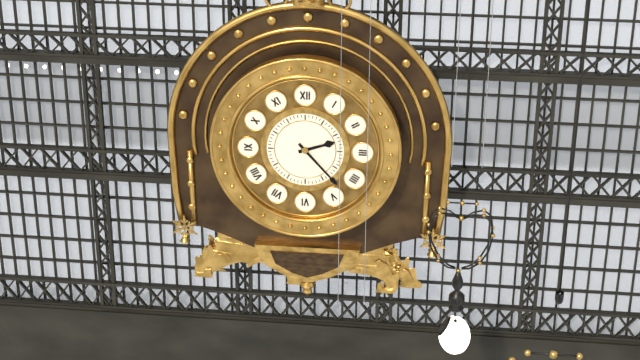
{"hour": 2, "minute": 23}
